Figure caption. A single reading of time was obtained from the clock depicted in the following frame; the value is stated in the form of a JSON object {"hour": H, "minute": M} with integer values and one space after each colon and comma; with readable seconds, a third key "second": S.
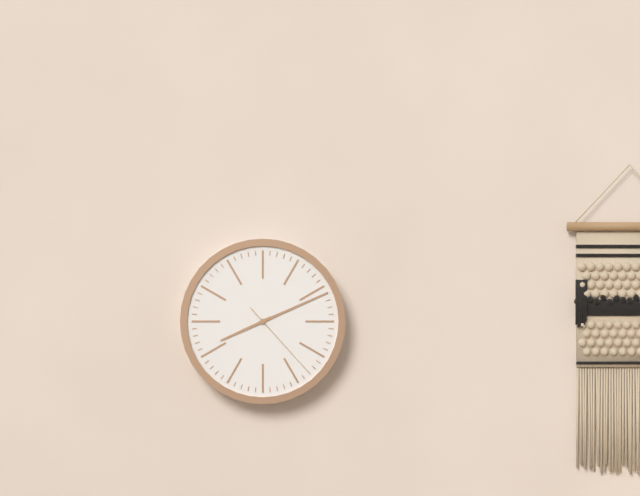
{"hour": 8, "minute": 11, "second": 23}
